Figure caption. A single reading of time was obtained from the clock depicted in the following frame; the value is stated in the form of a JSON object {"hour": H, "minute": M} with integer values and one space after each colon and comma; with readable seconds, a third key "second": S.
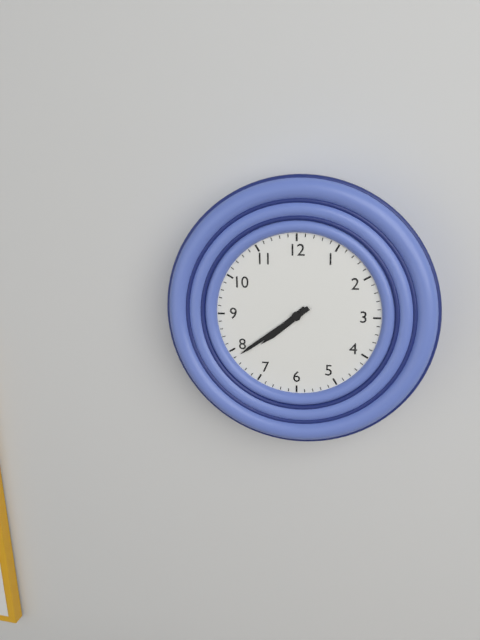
{"hour": 7, "minute": 39}
